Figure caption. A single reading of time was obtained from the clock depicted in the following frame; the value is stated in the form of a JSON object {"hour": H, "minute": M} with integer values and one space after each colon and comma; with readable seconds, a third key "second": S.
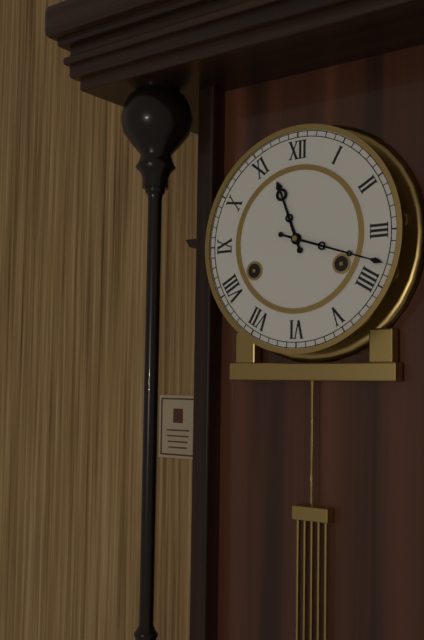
{"hour": 11, "minute": 18}
